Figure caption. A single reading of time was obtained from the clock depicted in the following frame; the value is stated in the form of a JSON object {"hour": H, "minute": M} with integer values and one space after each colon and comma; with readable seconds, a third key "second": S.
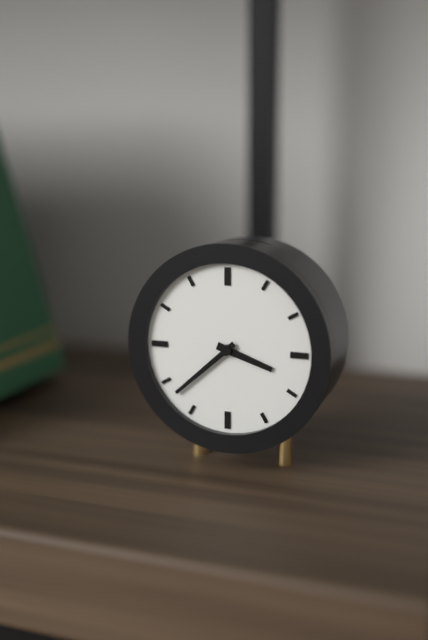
{"hour": 3, "minute": 38}
